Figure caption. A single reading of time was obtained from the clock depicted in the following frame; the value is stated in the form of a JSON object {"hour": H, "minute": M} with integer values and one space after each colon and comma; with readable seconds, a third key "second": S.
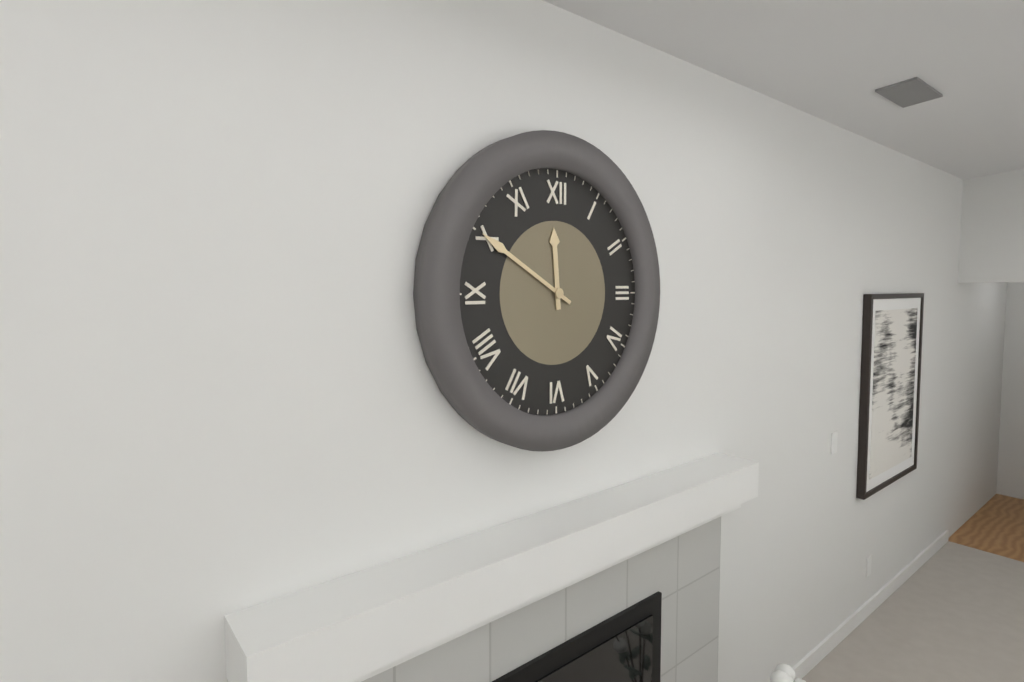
{"hour": 11, "minute": 50}
